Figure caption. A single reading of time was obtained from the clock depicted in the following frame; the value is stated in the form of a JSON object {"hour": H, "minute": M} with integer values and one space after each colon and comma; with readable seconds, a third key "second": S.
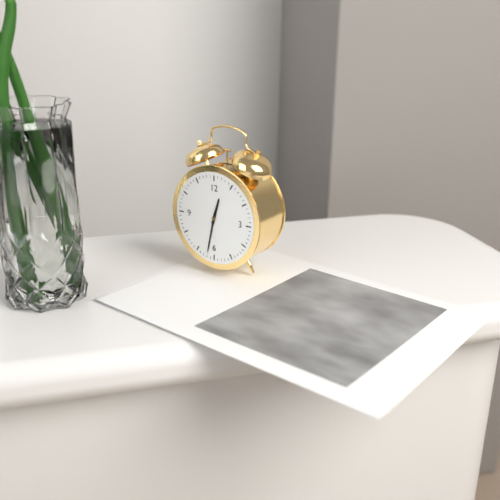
{"hour": 12, "minute": 32}
